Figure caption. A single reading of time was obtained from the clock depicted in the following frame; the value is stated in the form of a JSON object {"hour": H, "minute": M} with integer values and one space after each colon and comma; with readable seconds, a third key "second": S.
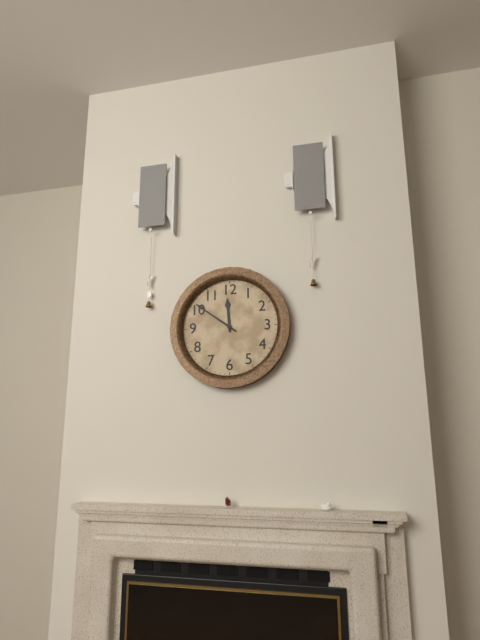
{"hour": 11, "minute": 51}
